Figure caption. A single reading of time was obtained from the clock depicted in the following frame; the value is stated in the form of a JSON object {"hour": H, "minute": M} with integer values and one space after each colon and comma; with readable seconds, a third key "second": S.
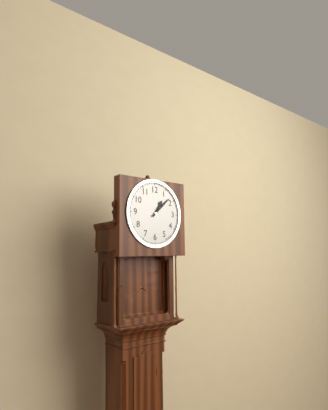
{"hour": 1, "minute": 8}
